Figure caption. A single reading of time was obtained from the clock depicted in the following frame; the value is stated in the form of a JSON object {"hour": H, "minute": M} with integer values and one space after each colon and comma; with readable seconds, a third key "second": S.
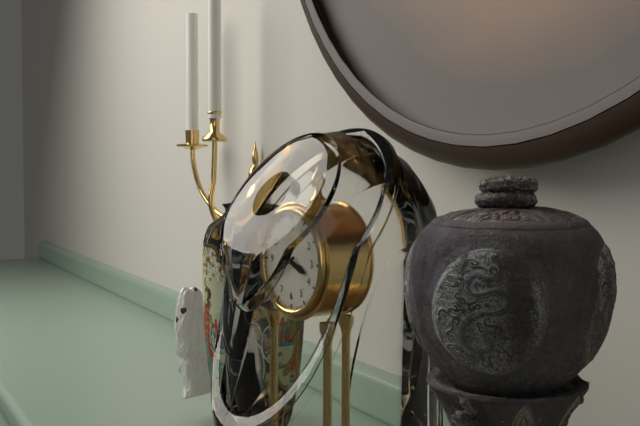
{"hour": 3, "minute": 40}
